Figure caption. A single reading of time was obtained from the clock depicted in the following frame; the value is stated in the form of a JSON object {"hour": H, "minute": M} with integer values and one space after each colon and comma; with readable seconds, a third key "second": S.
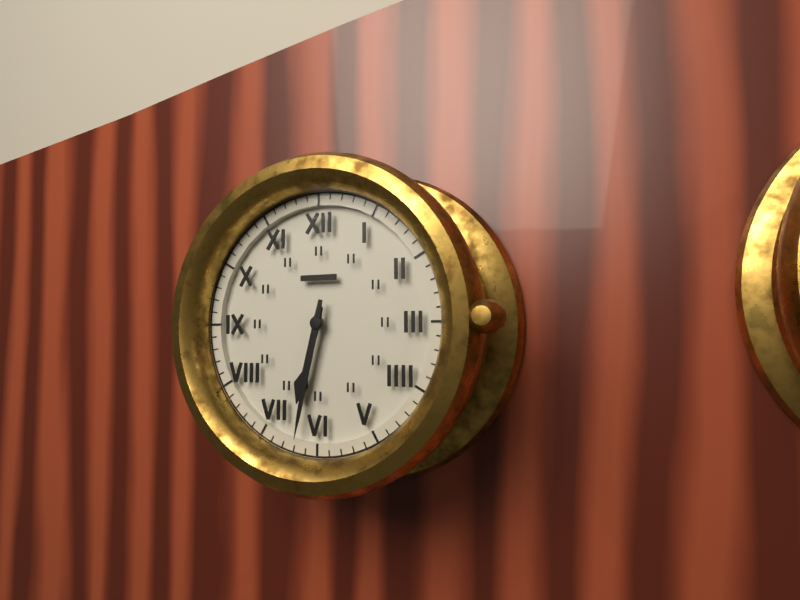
{"hour": 6, "minute": 32}
